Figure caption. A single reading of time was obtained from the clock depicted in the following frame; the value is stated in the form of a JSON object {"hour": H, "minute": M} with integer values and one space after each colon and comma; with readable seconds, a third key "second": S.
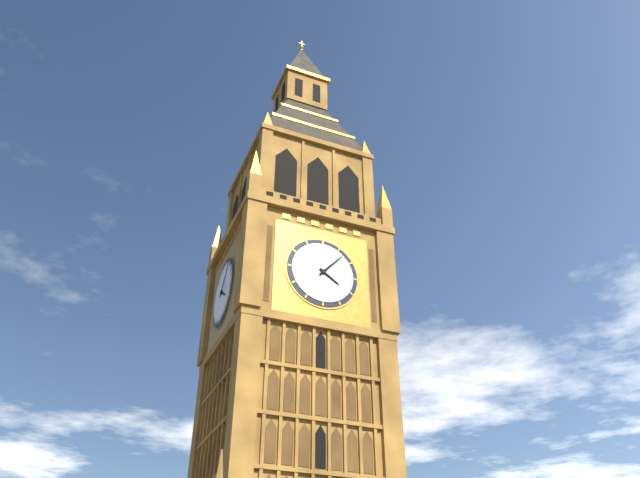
{"hour": 4, "minute": 7}
